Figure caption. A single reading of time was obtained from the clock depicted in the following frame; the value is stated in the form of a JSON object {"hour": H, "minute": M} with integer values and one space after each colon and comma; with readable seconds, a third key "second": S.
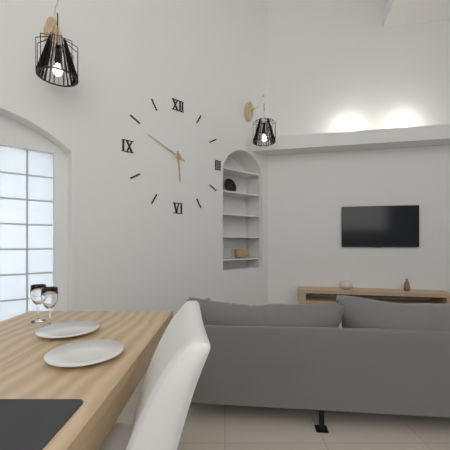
{"hour": 5, "minute": 49}
